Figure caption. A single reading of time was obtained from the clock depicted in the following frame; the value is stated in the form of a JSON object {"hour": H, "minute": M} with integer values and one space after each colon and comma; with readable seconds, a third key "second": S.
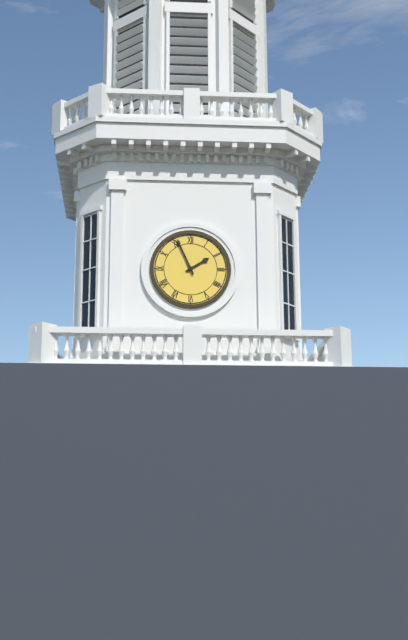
{"hour": 1, "minute": 56}
